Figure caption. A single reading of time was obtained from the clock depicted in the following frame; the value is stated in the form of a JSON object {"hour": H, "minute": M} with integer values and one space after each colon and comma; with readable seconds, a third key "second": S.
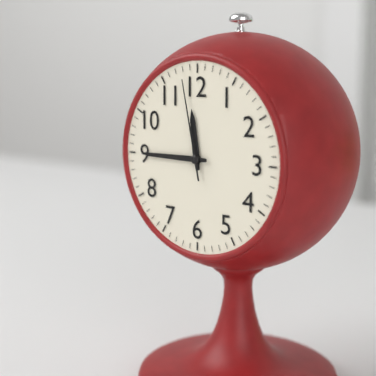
{"hour": 11, "minute": 45, "second": 58}
